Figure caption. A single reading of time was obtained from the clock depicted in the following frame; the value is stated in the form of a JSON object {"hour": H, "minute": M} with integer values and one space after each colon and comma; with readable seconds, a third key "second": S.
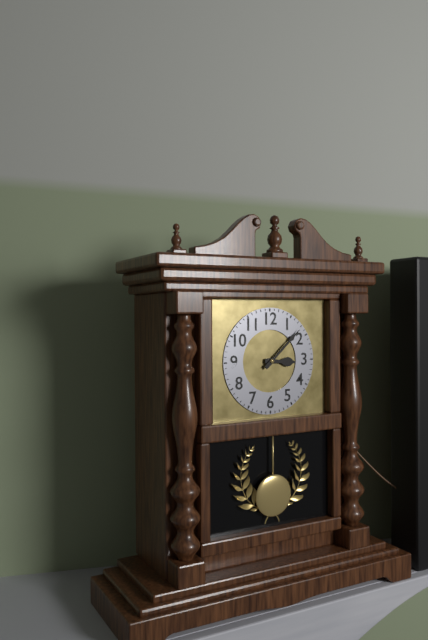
{"hour": 3, "minute": 8}
